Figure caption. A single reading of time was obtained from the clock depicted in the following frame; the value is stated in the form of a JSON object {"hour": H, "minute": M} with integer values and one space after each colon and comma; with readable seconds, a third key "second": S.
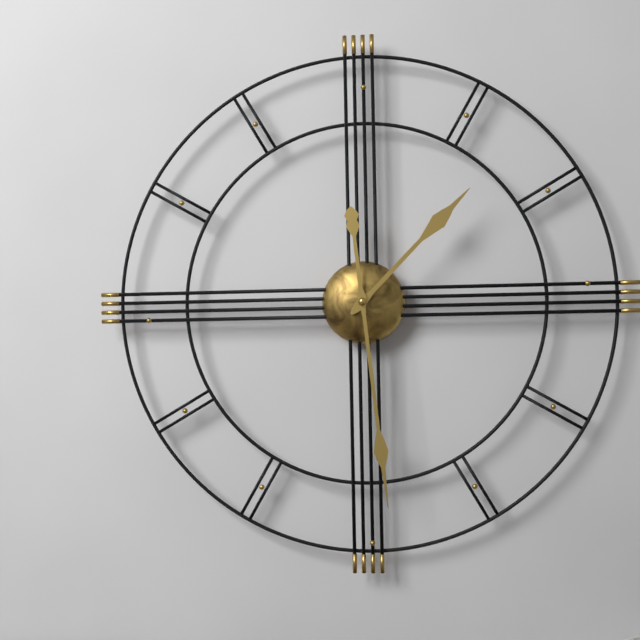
{"hour": 1, "minute": 29}
